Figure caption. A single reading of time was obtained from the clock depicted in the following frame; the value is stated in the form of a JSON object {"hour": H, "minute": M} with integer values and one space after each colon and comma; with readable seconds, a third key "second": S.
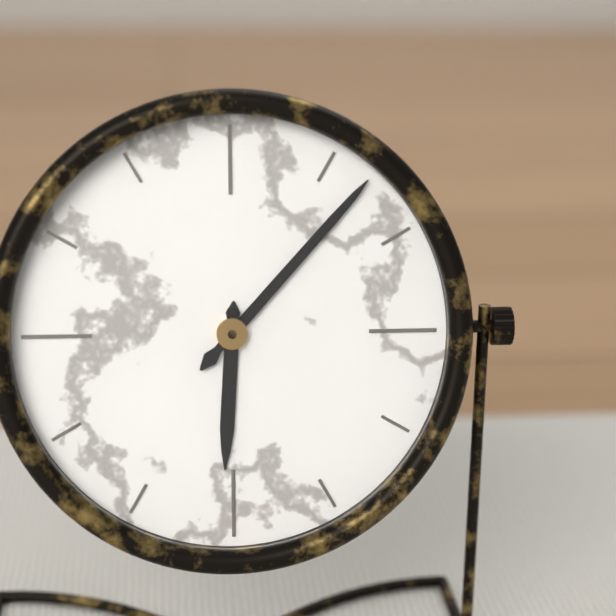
{"hour": 6, "minute": 7}
